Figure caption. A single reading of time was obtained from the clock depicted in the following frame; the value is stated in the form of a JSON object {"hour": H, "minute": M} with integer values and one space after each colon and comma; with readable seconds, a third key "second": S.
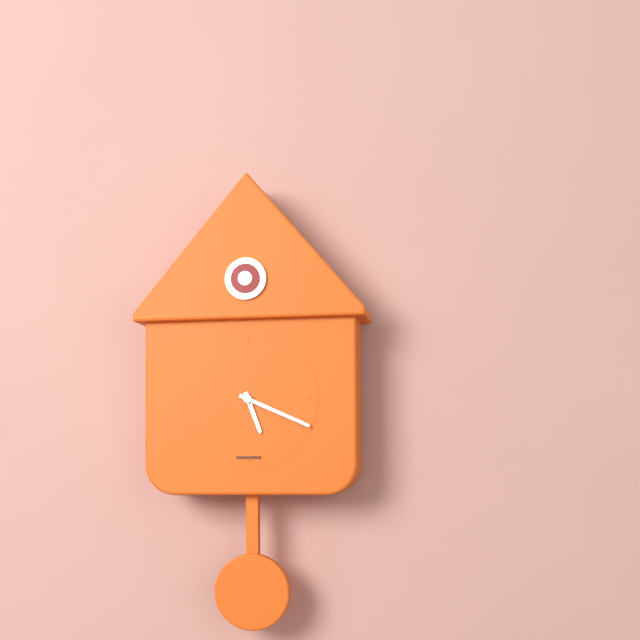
{"hour": 5, "minute": 19}
